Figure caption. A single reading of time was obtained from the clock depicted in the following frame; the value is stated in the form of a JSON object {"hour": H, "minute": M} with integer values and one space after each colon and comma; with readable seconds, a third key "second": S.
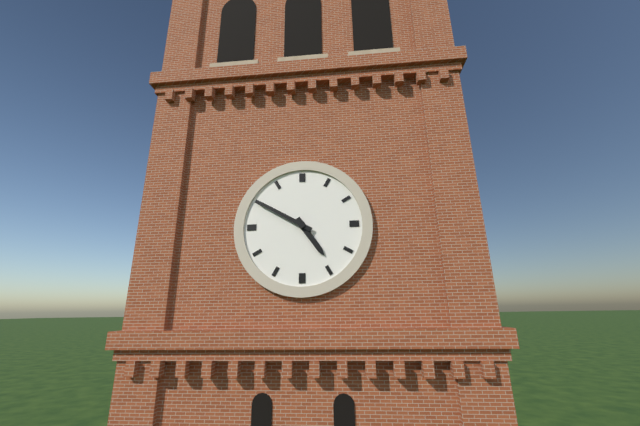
{"hour": 4, "minute": 50}
